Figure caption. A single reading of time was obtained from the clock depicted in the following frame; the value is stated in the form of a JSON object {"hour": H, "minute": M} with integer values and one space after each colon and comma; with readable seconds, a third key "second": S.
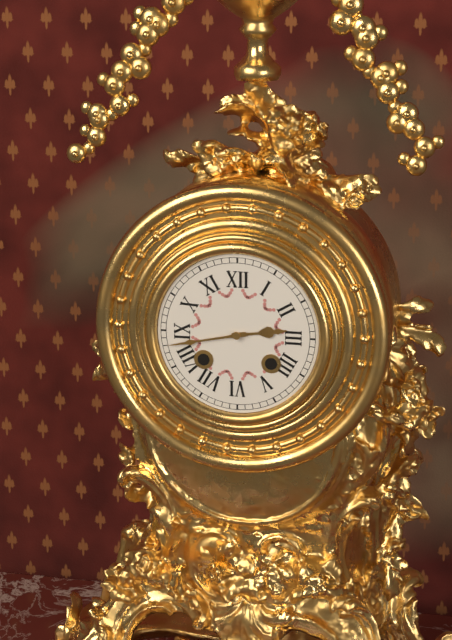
{"hour": 2, "minute": 43}
